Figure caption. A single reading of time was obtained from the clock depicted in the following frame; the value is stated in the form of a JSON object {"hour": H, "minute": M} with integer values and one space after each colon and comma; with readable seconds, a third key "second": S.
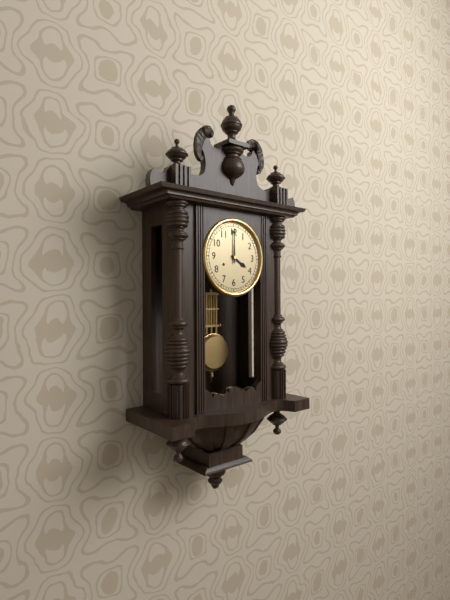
{"hour": 4, "minute": 0}
